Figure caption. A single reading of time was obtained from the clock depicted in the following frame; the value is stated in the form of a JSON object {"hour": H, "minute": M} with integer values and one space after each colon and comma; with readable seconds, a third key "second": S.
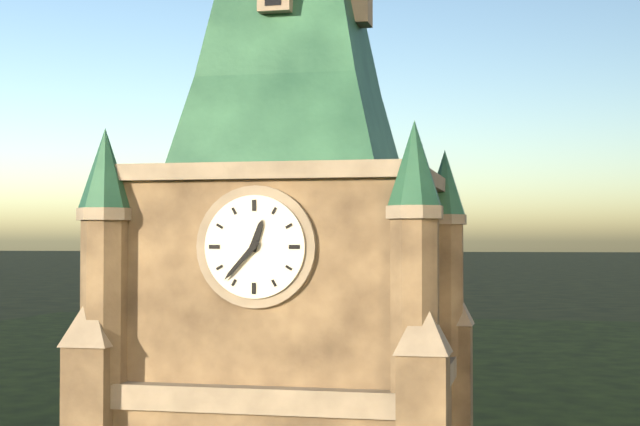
{"hour": 12, "minute": 37}
